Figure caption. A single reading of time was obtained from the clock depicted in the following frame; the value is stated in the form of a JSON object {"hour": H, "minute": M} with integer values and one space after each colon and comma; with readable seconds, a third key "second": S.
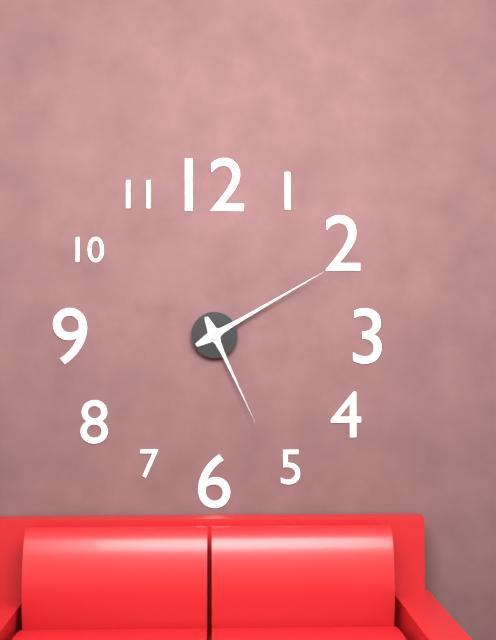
{"hour": 5, "minute": 10}
